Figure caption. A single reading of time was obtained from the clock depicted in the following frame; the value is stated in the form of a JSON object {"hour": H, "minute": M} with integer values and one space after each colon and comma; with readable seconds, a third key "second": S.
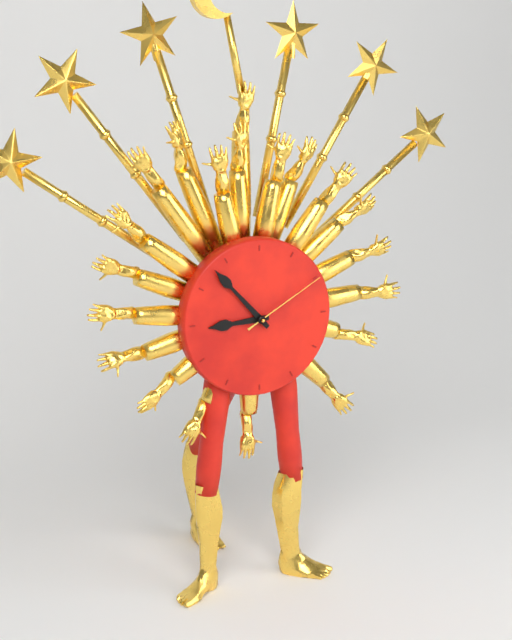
{"hour": 8, "minute": 53, "second": 10}
